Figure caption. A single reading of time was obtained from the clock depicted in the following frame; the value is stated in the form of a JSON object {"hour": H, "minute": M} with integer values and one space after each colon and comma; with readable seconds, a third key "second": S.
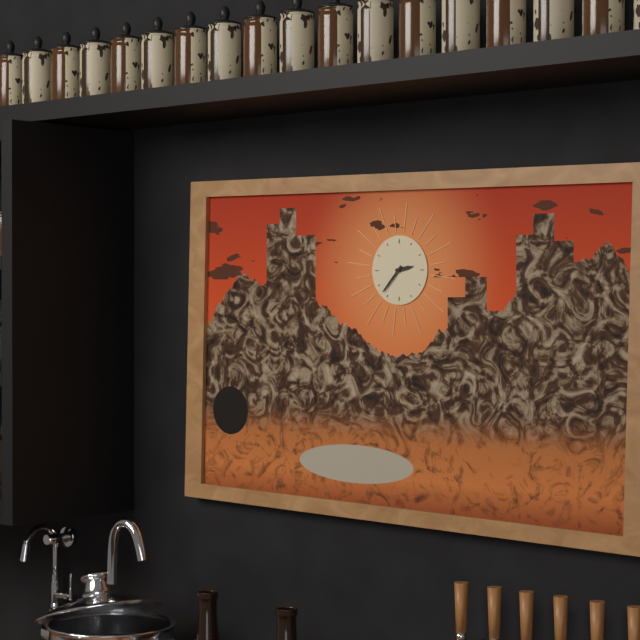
{"hour": 2, "minute": 37}
